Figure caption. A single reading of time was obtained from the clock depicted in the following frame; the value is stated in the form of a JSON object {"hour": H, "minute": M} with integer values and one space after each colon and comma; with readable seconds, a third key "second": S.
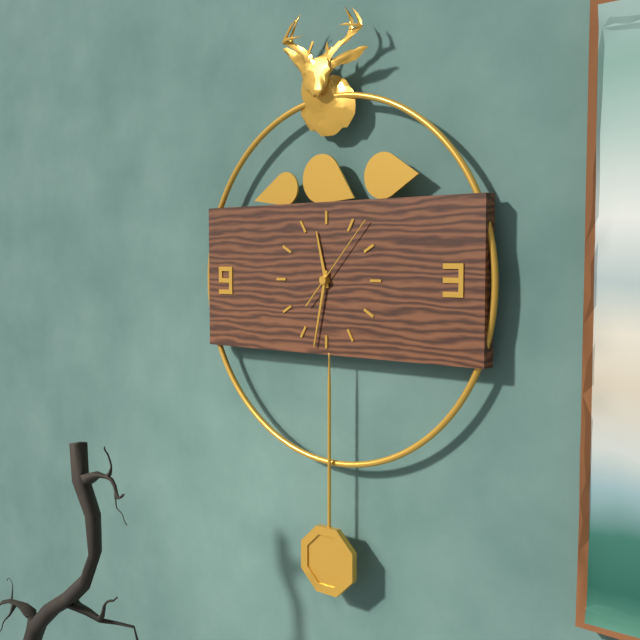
{"hour": 11, "minute": 32, "second": 7}
